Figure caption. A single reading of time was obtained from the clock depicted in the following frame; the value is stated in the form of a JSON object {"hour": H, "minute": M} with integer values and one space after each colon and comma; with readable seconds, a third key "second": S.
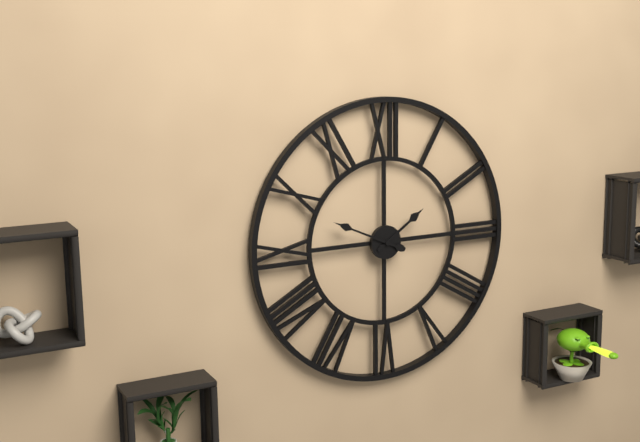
{"hour": 1, "minute": 49}
